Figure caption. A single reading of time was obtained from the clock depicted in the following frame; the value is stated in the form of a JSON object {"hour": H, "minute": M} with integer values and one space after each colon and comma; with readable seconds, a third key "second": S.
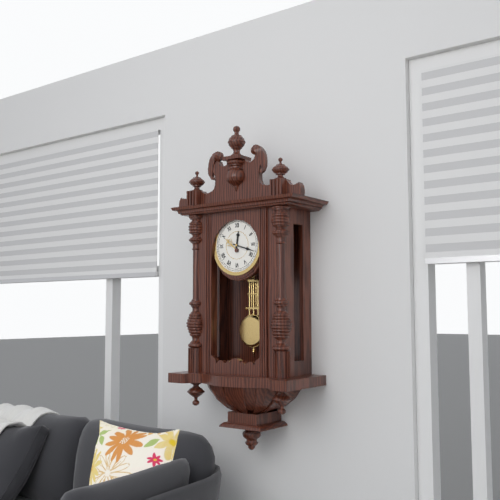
{"hour": 12, "minute": 18}
